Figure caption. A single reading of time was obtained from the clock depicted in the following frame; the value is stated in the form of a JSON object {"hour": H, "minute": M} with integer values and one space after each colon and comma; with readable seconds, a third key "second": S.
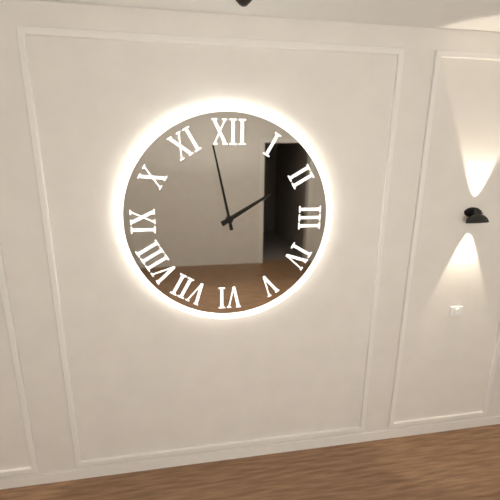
{"hour": 1, "minute": 58}
